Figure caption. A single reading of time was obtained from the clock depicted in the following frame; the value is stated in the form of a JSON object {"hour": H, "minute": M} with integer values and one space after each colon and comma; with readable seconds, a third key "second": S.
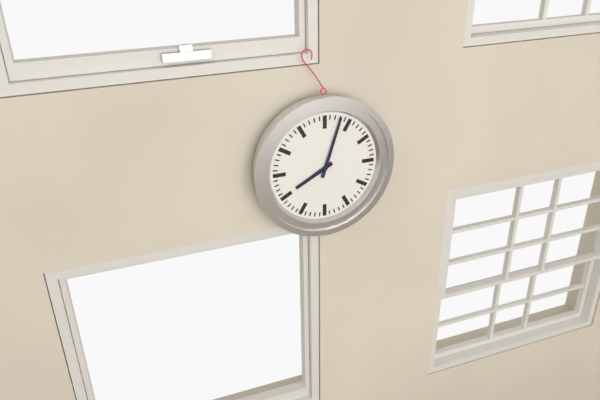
{"hour": 8, "minute": 3}
